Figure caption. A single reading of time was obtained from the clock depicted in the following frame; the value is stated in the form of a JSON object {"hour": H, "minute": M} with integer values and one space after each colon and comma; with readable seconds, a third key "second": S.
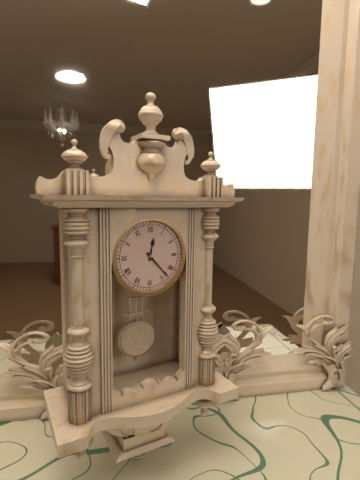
{"hour": 12, "minute": 23}
